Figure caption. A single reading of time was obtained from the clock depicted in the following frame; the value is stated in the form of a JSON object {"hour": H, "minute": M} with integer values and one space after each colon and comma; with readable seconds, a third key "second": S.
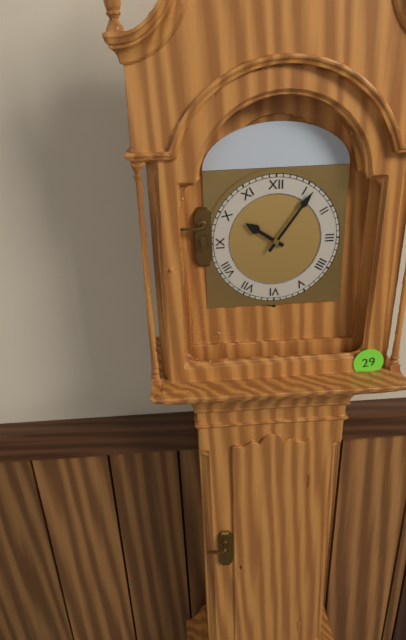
{"hour": 10, "minute": 6}
